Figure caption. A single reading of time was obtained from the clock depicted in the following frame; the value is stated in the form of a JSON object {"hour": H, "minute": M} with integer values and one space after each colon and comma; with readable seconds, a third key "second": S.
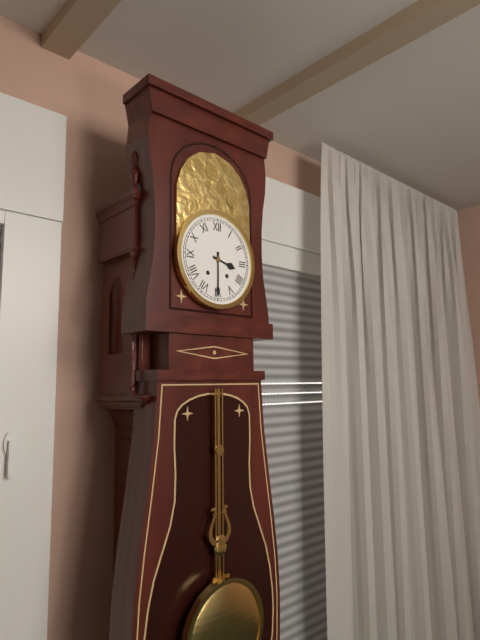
{"hour": 3, "minute": 30}
